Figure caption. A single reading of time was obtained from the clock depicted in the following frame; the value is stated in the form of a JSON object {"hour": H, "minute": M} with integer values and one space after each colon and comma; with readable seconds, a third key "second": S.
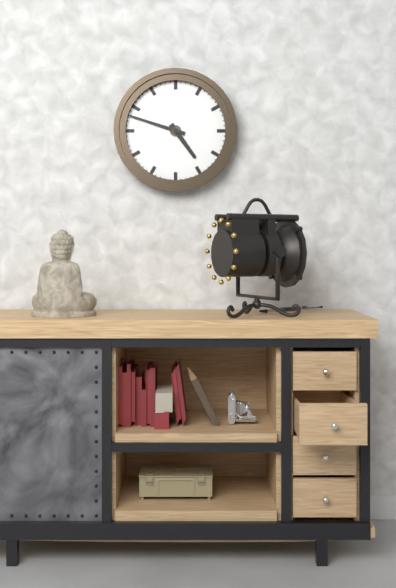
{"hour": 4, "minute": 48}
